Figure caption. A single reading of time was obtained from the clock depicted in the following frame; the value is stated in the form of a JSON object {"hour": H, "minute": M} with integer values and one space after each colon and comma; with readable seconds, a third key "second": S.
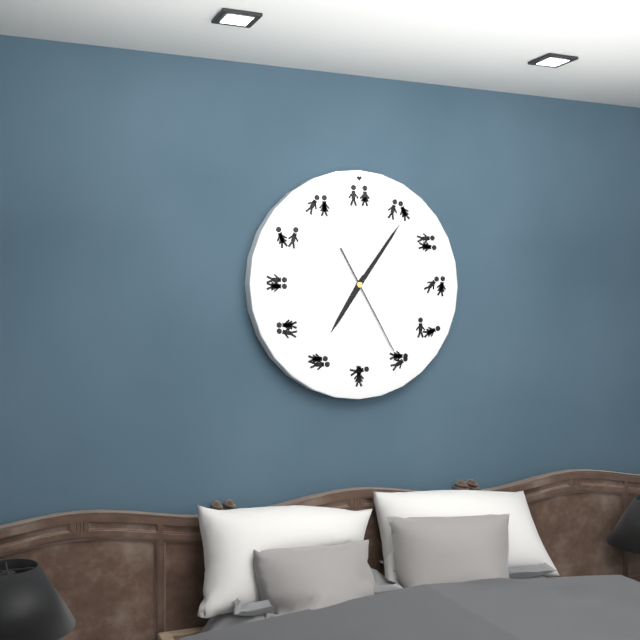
{"hour": 7, "minute": 6, "second": 25}
